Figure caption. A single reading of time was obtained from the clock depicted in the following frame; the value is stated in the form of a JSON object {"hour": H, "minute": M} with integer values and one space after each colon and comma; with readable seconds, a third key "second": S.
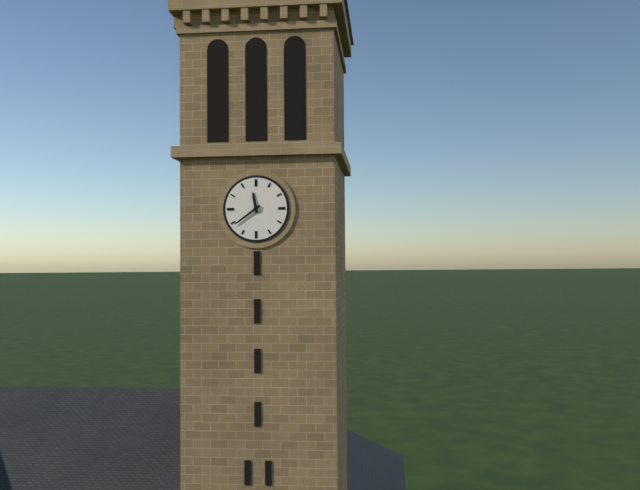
{"hour": 11, "minute": 39}
